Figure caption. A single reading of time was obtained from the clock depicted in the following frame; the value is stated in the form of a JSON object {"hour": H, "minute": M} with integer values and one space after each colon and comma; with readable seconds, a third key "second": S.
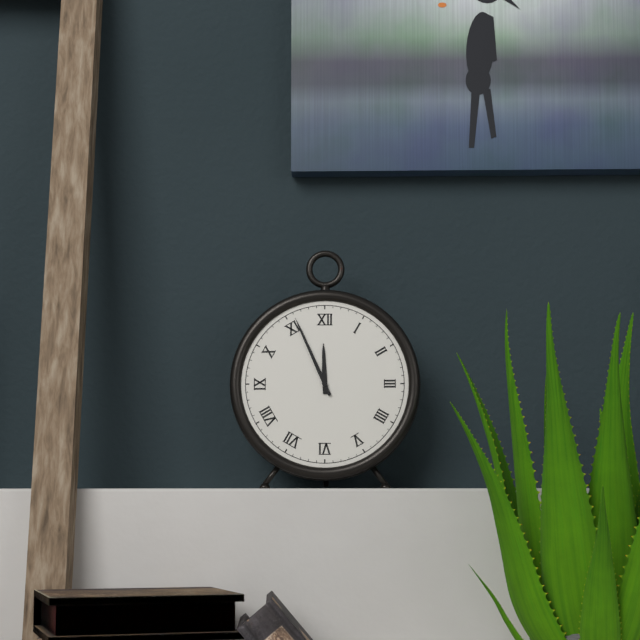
{"hour": 11, "minute": 56}
